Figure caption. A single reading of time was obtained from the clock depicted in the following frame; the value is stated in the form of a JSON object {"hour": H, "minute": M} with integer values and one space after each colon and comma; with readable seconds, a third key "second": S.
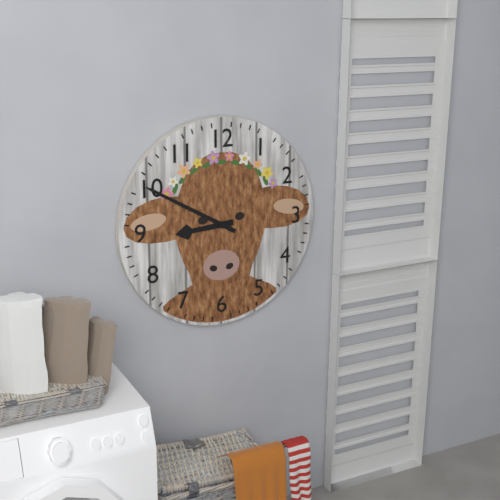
{"hour": 8, "minute": 50}
